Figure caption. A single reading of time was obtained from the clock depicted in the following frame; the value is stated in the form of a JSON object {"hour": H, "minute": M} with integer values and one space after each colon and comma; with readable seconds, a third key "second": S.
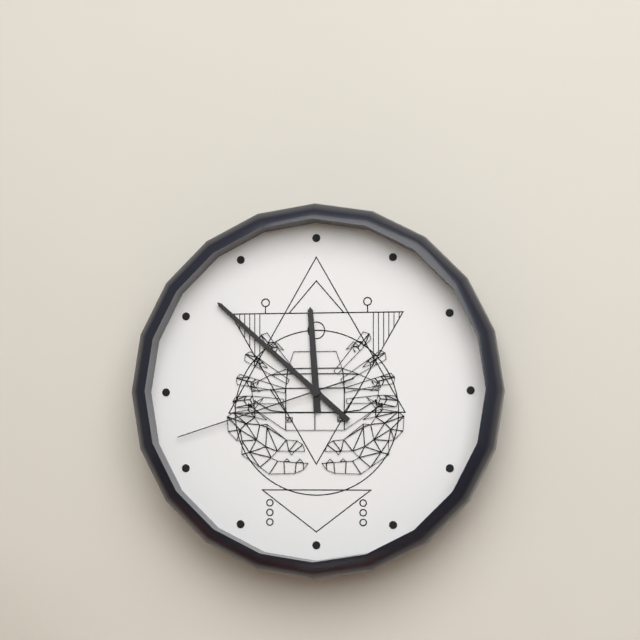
{"hour": 11, "minute": 52, "second": 42}
